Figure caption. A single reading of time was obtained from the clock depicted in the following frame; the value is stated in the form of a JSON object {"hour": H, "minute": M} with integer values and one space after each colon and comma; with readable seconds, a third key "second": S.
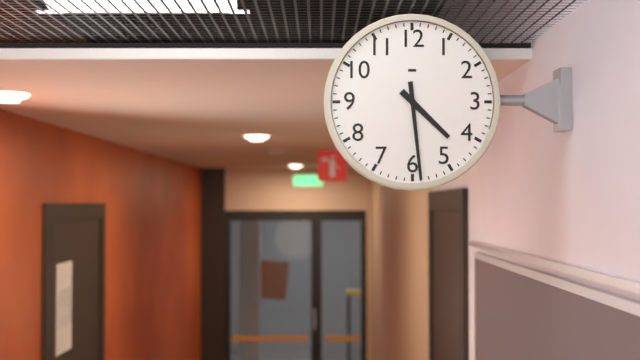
{"hour": 4, "minute": 29}
